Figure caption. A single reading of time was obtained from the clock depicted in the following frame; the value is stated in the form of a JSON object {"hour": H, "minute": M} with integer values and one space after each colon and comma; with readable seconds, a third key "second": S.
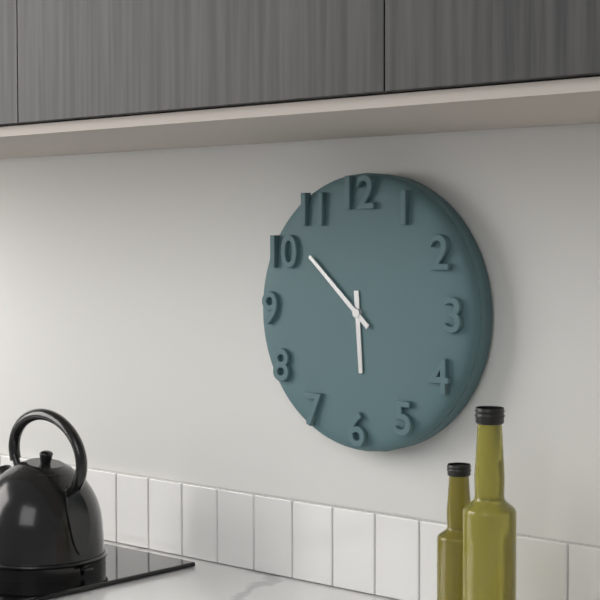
{"hour": 5, "minute": 52}
